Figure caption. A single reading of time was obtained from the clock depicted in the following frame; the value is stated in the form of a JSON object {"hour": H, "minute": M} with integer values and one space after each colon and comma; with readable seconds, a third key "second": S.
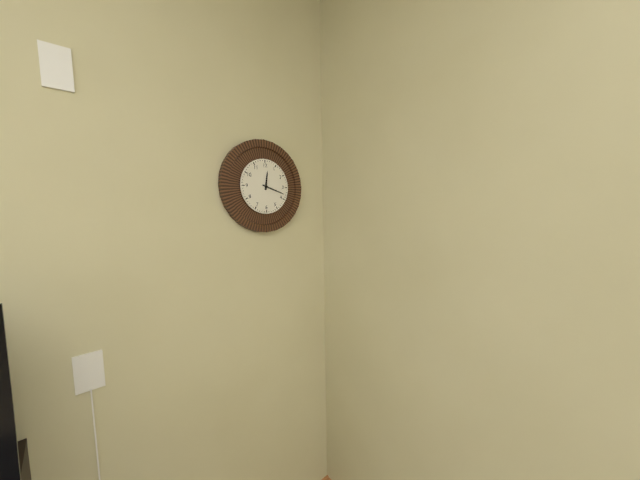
{"hour": 12, "minute": 18}
